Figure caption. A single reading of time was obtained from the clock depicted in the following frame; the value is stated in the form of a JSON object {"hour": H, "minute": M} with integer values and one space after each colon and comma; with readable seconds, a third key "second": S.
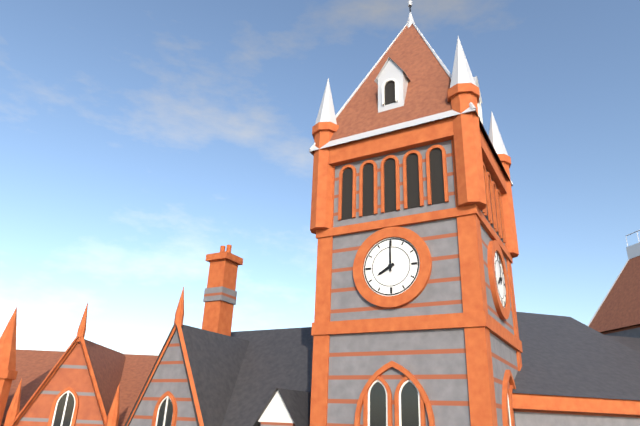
{"hour": 8, "minute": 0}
